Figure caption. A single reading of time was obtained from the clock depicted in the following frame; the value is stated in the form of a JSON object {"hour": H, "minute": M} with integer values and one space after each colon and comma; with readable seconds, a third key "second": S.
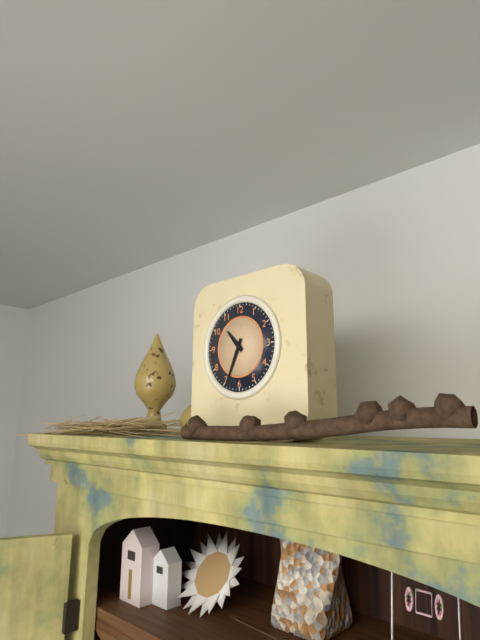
{"hour": 10, "minute": 34}
